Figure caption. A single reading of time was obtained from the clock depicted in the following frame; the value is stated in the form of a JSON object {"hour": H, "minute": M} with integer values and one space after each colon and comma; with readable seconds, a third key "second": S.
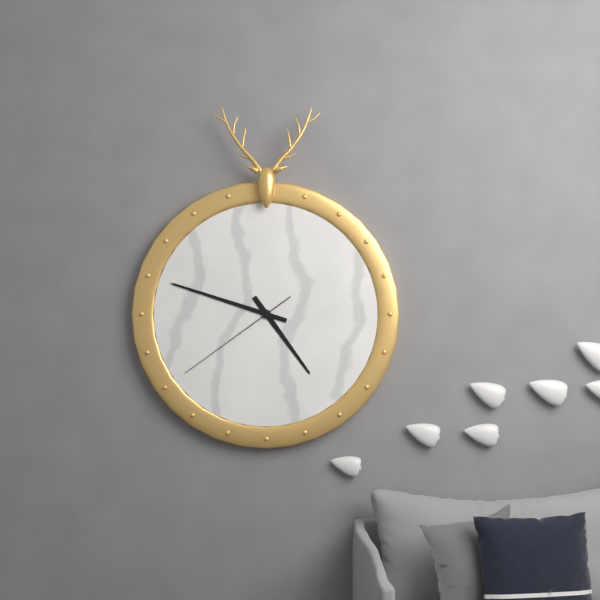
{"hour": 4, "minute": 48, "second": 39}
